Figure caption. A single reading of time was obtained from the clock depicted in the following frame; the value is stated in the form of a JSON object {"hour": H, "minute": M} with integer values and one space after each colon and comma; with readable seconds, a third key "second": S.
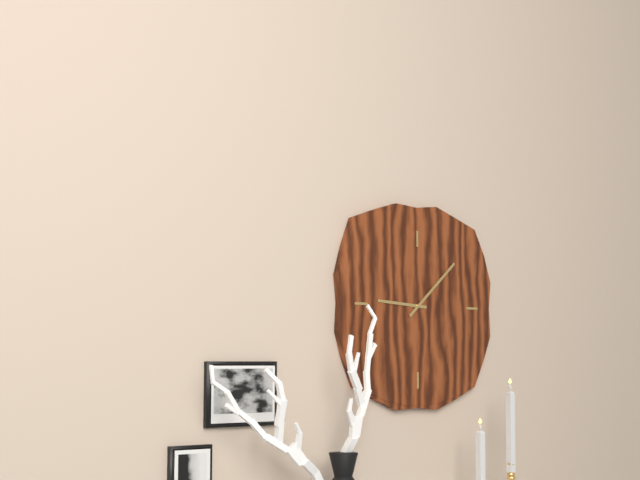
{"hour": 9, "minute": 8}
